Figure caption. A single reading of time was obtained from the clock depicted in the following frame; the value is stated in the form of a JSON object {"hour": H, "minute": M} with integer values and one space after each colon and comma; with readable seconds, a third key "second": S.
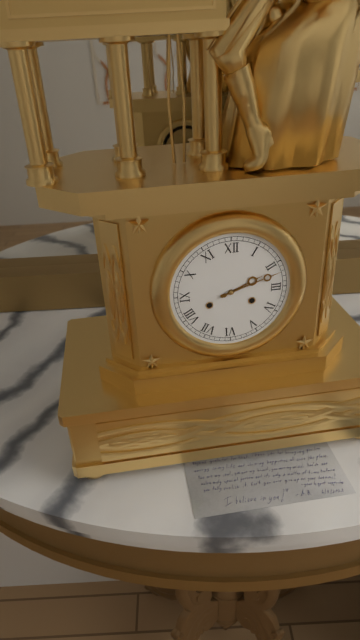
{"hour": 2, "minute": 12}
